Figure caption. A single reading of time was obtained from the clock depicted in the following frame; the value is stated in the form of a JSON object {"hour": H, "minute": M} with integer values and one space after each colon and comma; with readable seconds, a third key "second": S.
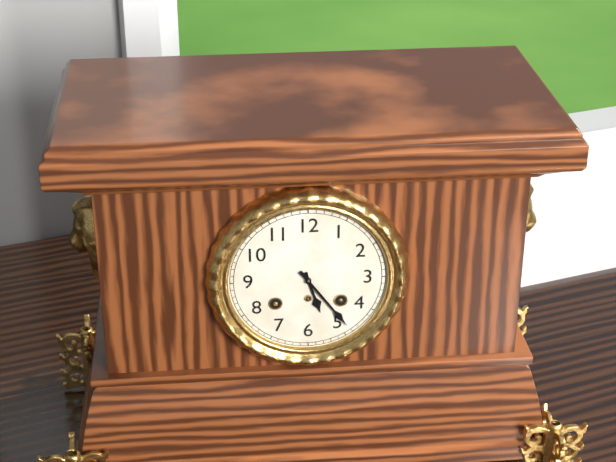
{"hour": 5, "minute": 24}
